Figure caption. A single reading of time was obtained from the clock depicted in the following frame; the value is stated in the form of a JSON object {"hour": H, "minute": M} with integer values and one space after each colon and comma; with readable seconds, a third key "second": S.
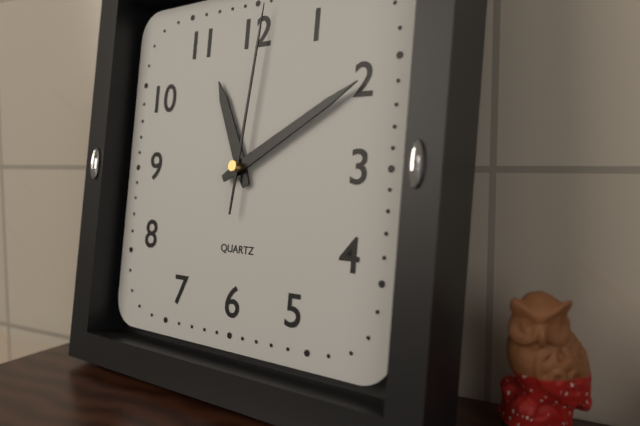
{"hour": 11, "minute": 10, "second": 1}
